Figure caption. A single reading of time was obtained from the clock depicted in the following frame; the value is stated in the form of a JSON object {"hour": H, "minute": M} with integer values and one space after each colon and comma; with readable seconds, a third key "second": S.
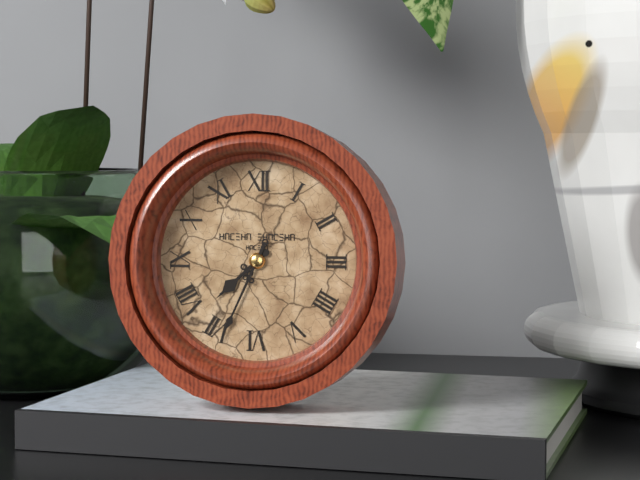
{"hour": 7, "minute": 34}
